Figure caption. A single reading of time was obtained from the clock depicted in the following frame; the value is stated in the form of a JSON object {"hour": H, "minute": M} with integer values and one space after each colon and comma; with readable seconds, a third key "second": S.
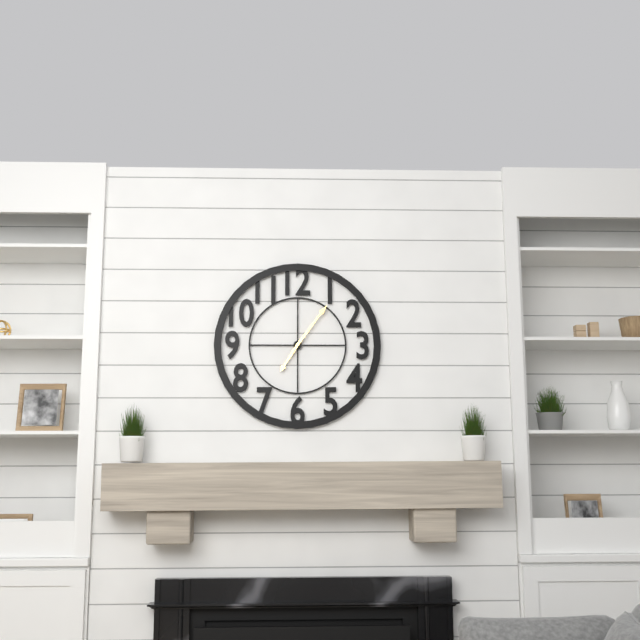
{"hour": 7, "minute": 6}
